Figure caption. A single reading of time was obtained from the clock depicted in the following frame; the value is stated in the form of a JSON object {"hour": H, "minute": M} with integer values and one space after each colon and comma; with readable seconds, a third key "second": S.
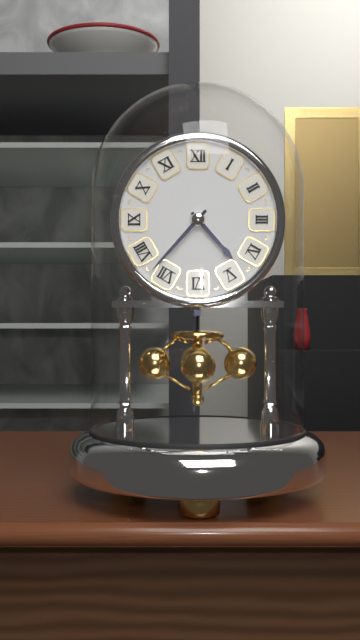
{"hour": 4, "minute": 37}
